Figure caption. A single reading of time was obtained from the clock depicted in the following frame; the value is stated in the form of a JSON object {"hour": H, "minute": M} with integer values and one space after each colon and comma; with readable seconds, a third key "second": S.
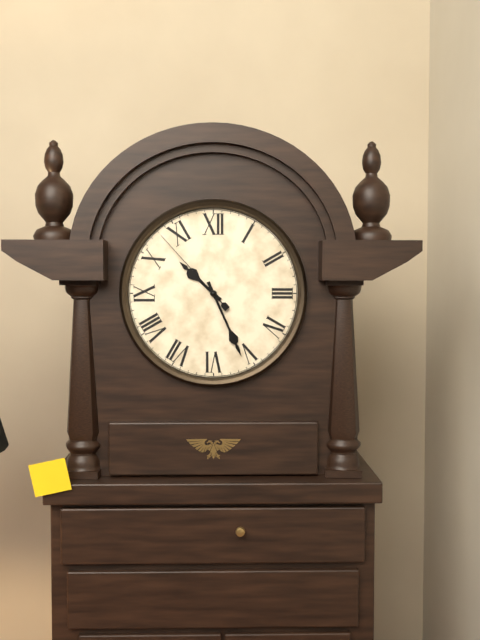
{"hour": 10, "minute": 26, "second": 53}
